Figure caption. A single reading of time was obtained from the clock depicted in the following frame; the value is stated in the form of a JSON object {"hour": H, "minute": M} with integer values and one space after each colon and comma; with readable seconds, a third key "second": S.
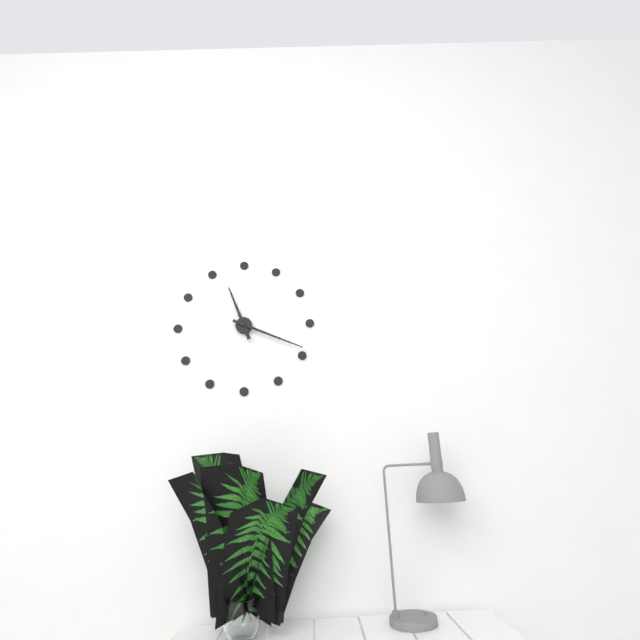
{"hour": 11, "minute": 19}
